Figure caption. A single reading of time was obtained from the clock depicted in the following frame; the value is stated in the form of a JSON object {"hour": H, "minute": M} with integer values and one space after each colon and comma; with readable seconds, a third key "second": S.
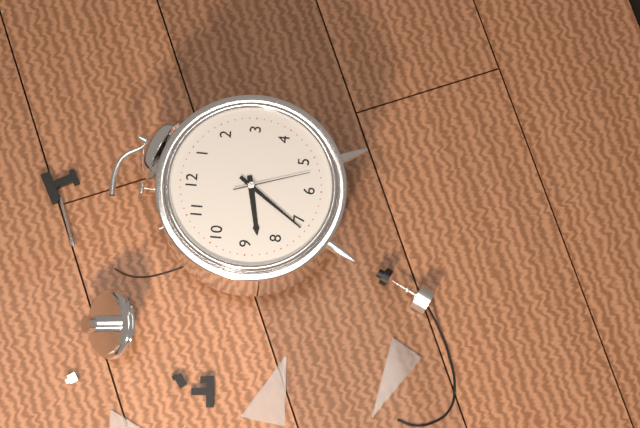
{"hour": 8, "minute": 36, "second": 27}
